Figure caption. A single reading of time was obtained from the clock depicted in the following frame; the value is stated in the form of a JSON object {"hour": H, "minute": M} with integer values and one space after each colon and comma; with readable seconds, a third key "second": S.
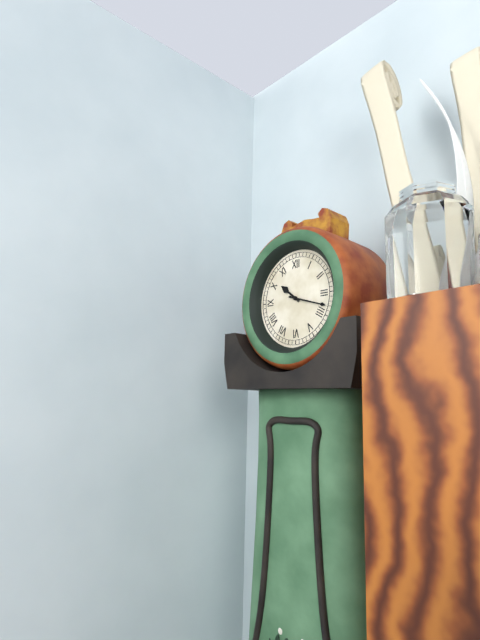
{"hour": 10, "minute": 18}
